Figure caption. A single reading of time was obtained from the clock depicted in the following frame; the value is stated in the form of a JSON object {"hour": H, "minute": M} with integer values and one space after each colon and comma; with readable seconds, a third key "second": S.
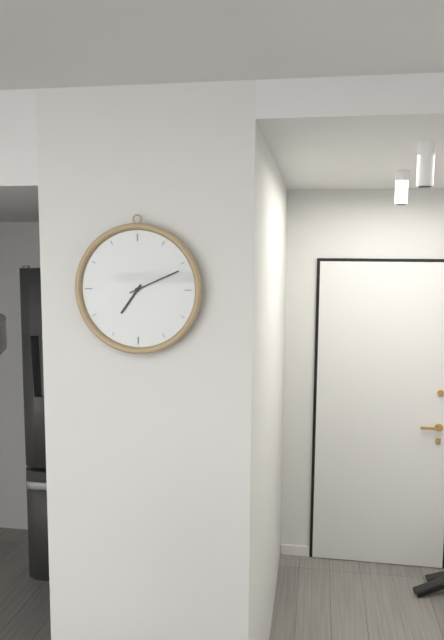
{"hour": 7, "minute": 11}
